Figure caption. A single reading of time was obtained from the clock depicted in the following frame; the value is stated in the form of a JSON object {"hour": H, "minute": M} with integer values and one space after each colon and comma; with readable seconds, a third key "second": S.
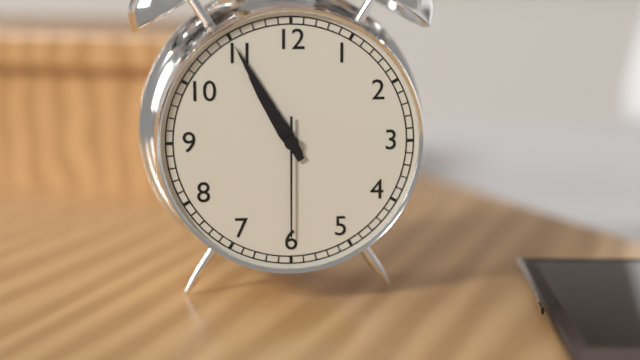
{"hour": 10, "minute": 55, "second": 30}
